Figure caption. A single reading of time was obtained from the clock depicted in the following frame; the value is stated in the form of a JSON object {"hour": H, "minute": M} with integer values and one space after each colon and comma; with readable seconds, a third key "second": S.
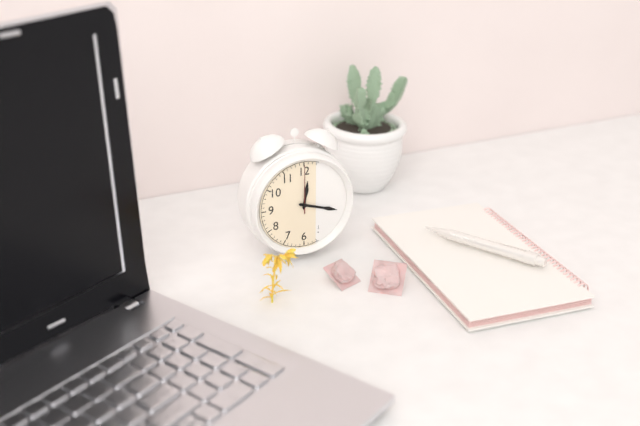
{"hour": 12, "minute": 18}
